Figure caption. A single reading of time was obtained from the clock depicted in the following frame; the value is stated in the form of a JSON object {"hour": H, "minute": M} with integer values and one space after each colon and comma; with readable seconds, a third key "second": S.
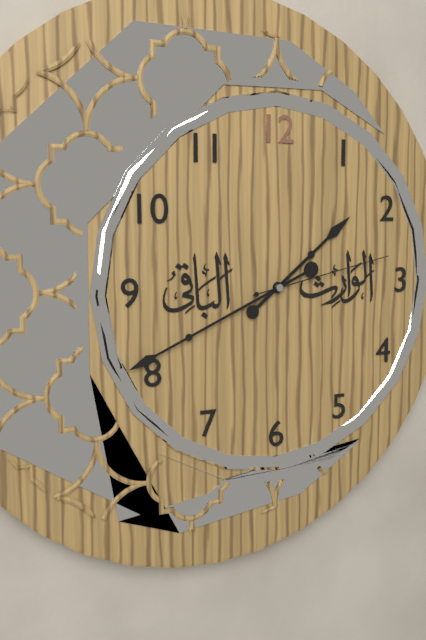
{"hour": 1, "minute": 41, "second": 13}
